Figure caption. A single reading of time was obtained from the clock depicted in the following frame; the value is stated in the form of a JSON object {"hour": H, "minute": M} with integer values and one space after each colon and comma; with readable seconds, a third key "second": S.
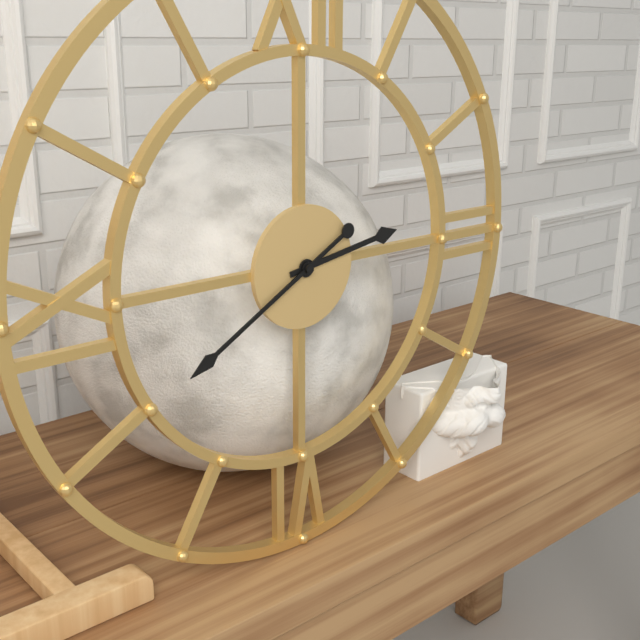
{"hour": 2, "minute": 40}
